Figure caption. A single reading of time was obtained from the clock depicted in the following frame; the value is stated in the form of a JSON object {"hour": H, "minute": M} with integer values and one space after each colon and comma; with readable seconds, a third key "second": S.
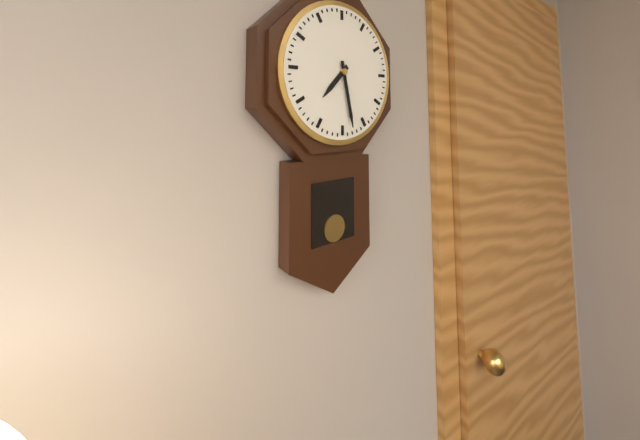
{"hour": 7, "minute": 28}
